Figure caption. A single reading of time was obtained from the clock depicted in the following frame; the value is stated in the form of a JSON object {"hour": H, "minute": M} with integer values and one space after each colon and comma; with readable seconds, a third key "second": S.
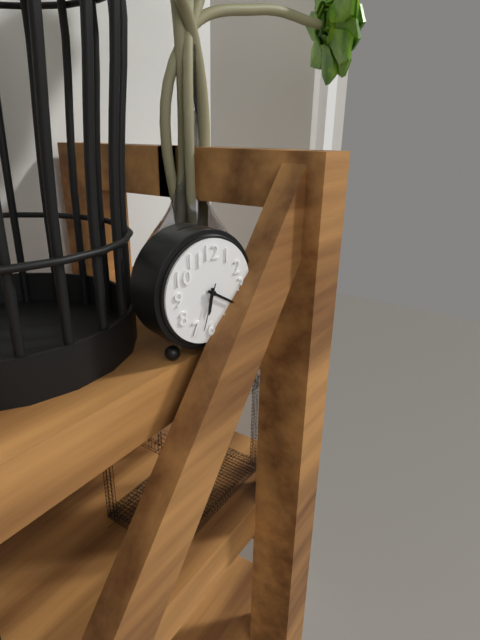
{"hour": 6, "minute": 20}
